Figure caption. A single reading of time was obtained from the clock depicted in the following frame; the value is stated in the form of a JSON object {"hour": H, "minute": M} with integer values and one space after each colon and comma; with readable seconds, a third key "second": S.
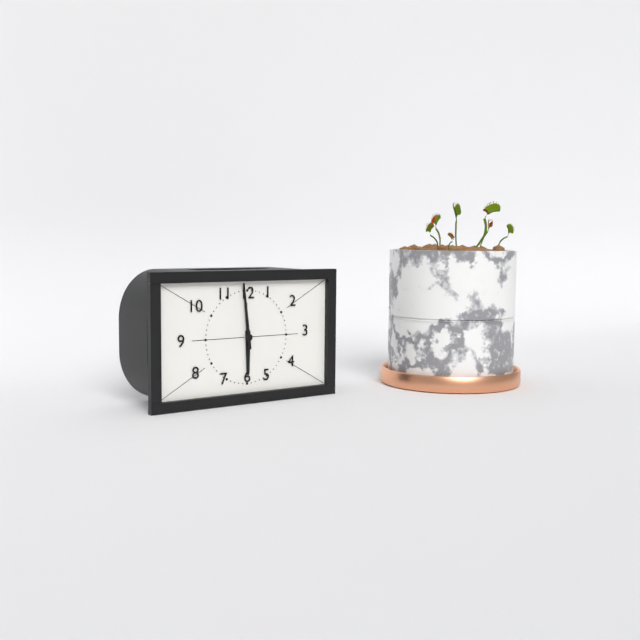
{"hour": 5, "minute": 59}
